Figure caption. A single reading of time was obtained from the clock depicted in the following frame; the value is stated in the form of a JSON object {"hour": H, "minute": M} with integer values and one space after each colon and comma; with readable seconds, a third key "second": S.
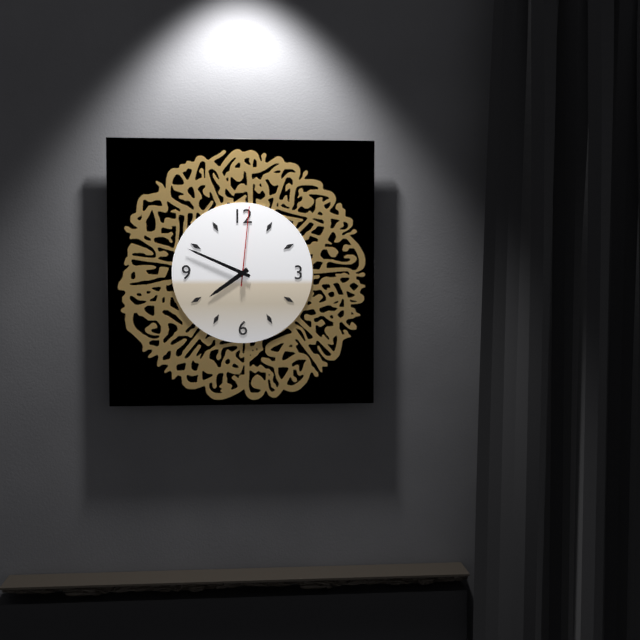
{"hour": 7, "minute": 49, "second": 1}
